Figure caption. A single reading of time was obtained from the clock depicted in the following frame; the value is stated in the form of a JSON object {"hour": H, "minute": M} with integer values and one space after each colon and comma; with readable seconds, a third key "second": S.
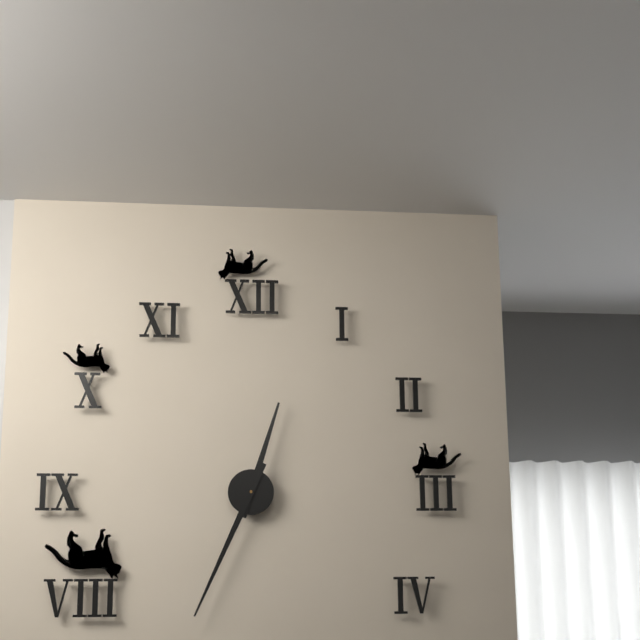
{"hour": 12, "minute": 34}
